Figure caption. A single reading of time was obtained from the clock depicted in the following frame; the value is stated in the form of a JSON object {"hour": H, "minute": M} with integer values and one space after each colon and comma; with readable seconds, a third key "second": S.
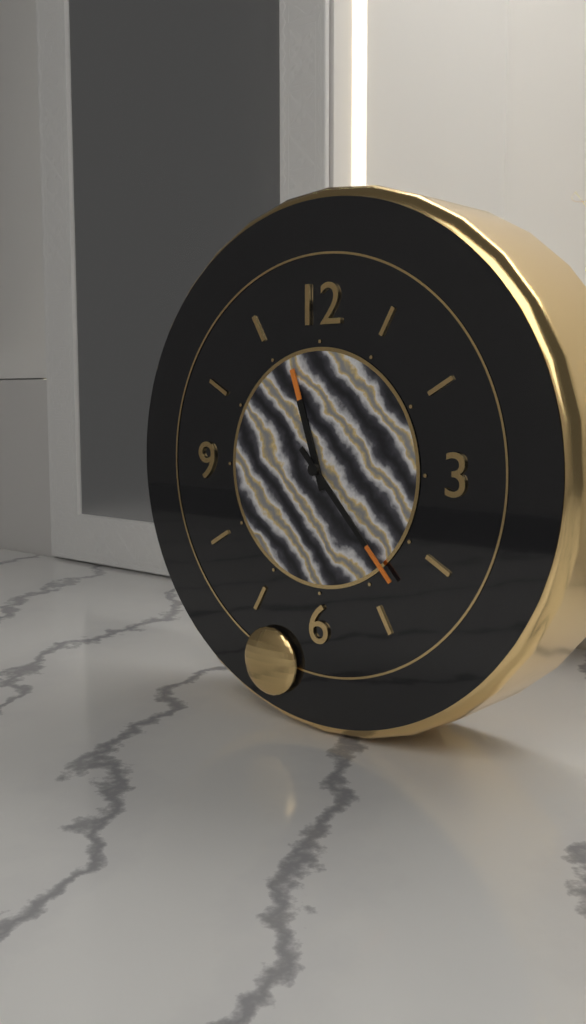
{"hour": 11, "minute": 23}
